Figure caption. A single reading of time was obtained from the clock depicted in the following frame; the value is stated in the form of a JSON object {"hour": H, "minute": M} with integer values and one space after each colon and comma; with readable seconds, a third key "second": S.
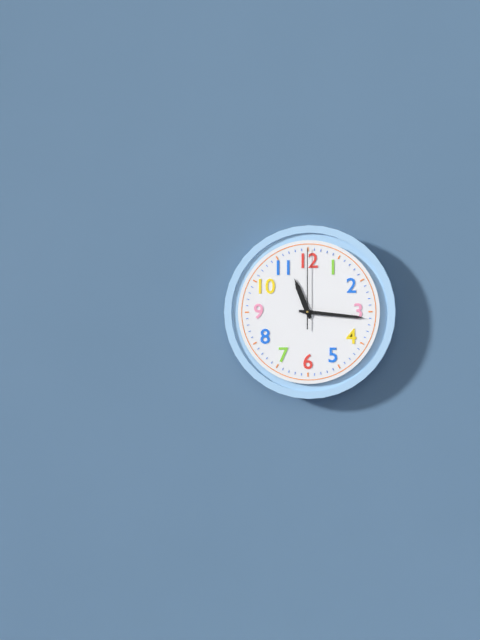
{"hour": 11, "minute": 16, "second": 0}
